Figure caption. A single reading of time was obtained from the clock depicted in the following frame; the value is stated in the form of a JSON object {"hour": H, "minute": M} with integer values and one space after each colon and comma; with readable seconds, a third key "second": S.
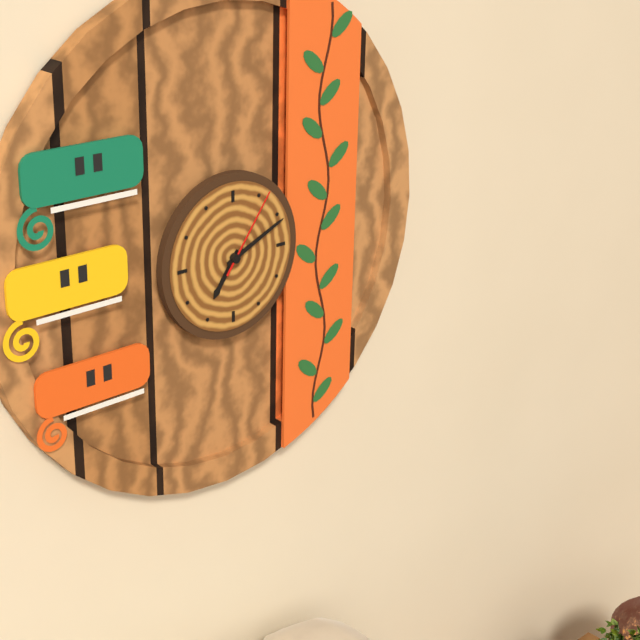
{"hour": 7, "minute": 11, "second": 6}
